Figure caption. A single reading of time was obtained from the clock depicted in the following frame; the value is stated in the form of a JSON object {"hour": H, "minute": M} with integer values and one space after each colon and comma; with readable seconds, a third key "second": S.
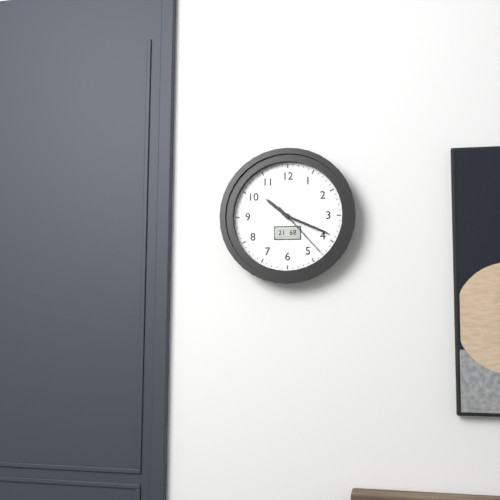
{"hour": 10, "minute": 19, "second": 23}
